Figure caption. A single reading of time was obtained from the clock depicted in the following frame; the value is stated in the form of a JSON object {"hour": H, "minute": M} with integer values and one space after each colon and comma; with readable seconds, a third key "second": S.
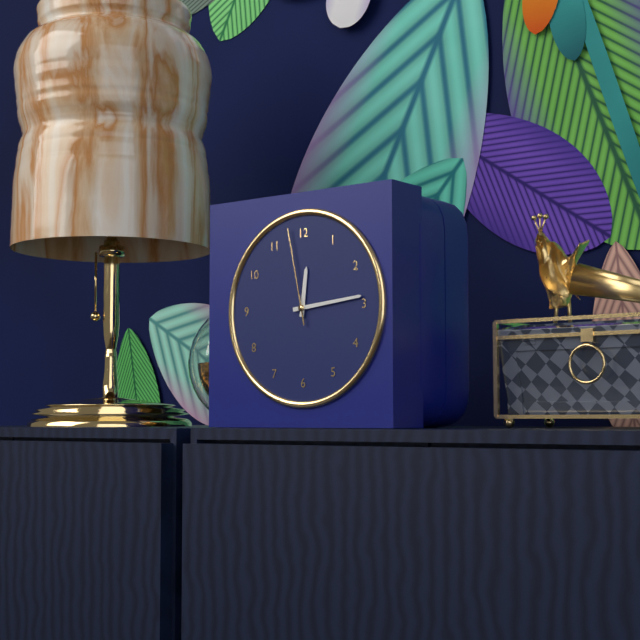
{"hour": 12, "minute": 14, "second": 58}
